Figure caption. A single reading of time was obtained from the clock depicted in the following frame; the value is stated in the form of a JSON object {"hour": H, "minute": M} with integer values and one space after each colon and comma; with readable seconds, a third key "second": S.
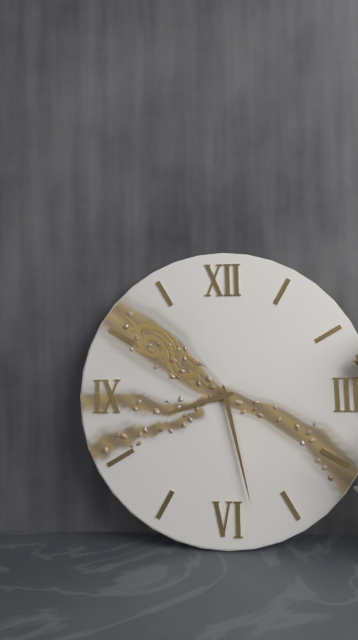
{"hour": 8, "minute": 28}
